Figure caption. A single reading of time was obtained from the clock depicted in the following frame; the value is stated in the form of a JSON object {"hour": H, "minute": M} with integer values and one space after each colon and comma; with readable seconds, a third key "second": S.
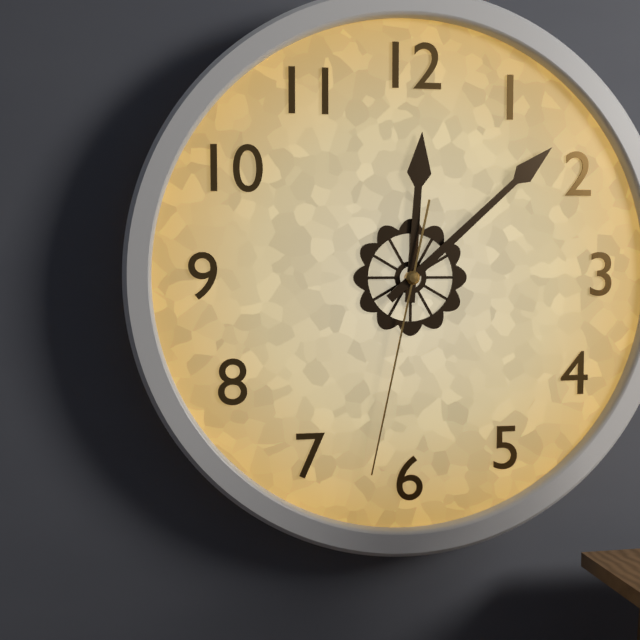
{"hour": 12, "minute": 8, "second": 32}
